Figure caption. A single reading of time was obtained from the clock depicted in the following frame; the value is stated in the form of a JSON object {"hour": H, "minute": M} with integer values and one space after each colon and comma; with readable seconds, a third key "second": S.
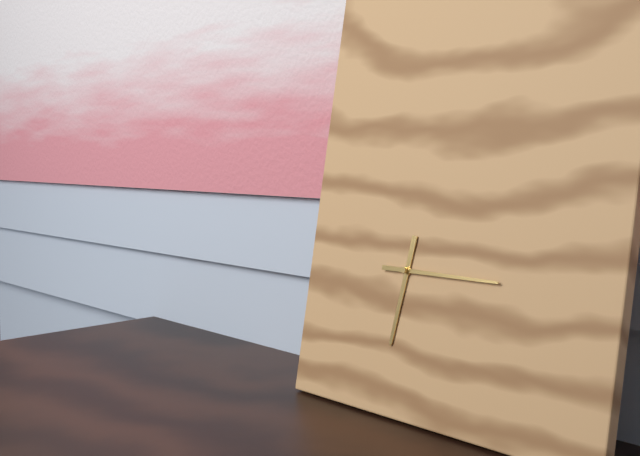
{"hour": 6, "minute": 15}
